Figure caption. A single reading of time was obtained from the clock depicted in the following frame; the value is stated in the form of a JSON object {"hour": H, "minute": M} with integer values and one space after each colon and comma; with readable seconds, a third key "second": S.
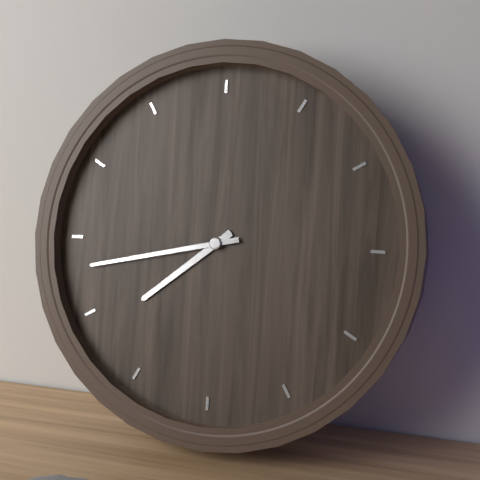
{"hour": 7, "minute": 43}
